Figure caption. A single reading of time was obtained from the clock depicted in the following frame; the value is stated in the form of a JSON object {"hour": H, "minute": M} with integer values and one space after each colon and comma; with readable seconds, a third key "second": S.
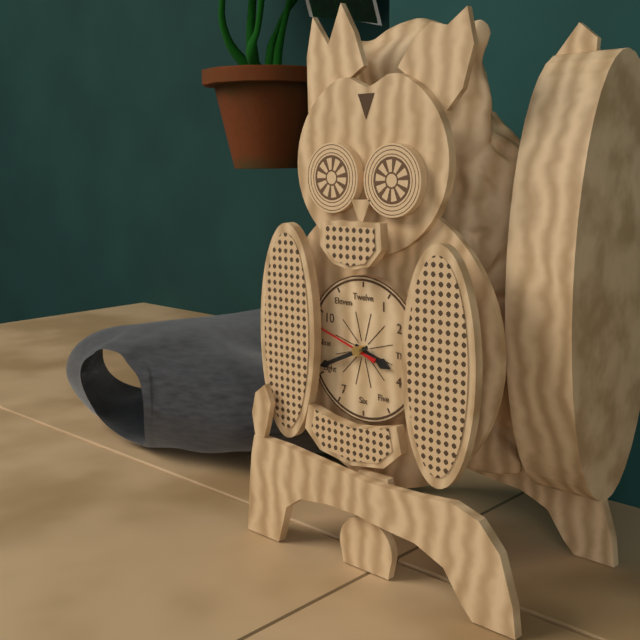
{"hour": 3, "minute": 41, "second": 48}
